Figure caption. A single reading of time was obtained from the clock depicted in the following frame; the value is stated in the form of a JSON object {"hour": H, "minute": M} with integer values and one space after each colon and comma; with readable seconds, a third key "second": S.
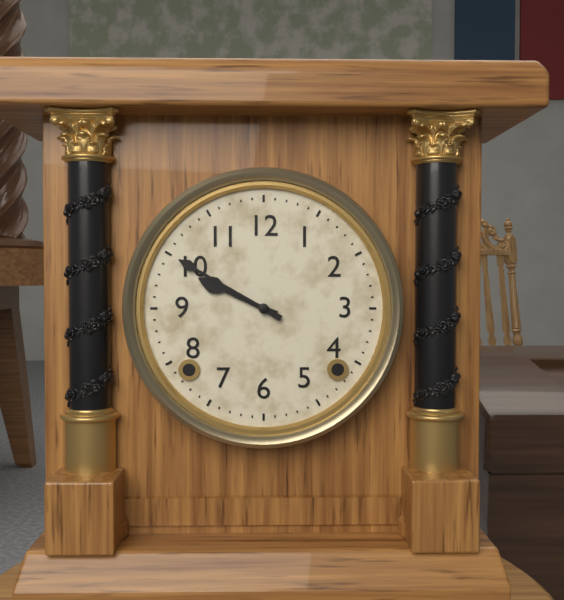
{"hour": 9, "minute": 50}
